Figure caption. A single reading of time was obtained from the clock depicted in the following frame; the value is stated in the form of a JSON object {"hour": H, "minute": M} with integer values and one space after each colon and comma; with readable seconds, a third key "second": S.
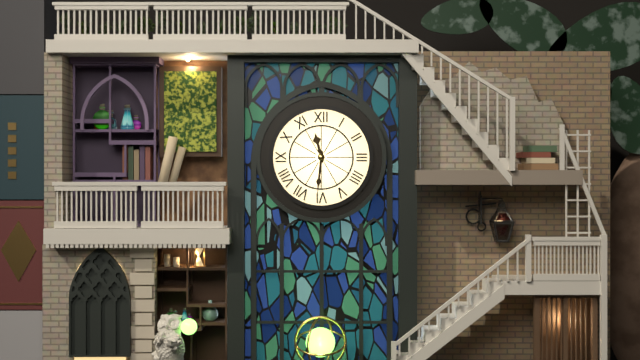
{"hour": 11, "minute": 31}
